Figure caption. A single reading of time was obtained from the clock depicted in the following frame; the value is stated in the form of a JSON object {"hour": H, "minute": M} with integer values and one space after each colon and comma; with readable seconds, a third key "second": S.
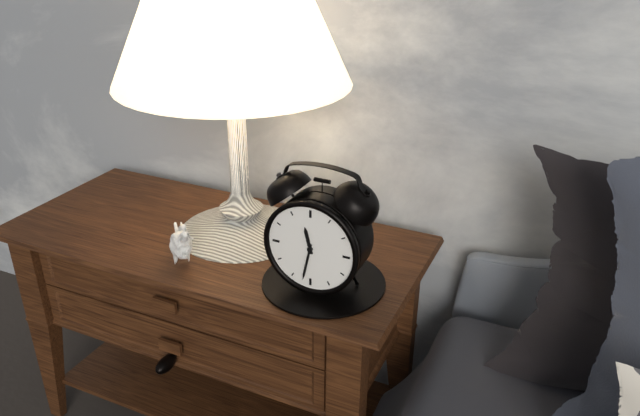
{"hour": 11, "minute": 32}
